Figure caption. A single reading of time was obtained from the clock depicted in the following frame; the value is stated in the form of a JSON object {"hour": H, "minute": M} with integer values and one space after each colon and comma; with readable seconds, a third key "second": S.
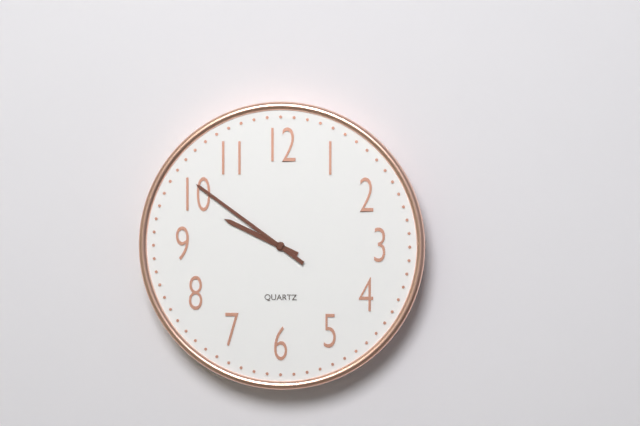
{"hour": 9, "minute": 51}
